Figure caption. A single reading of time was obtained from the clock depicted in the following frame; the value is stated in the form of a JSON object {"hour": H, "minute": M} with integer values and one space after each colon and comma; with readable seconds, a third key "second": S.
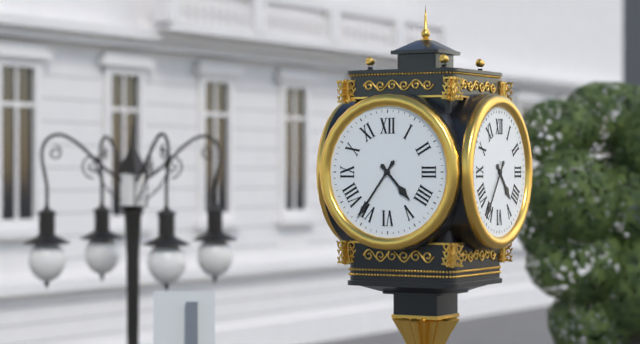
{"hour": 4, "minute": 36}
